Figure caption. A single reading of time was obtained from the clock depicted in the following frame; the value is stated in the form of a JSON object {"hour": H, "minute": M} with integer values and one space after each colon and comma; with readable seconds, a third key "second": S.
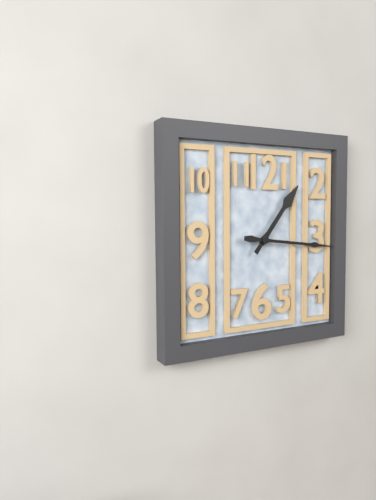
{"hour": 1, "minute": 16}
